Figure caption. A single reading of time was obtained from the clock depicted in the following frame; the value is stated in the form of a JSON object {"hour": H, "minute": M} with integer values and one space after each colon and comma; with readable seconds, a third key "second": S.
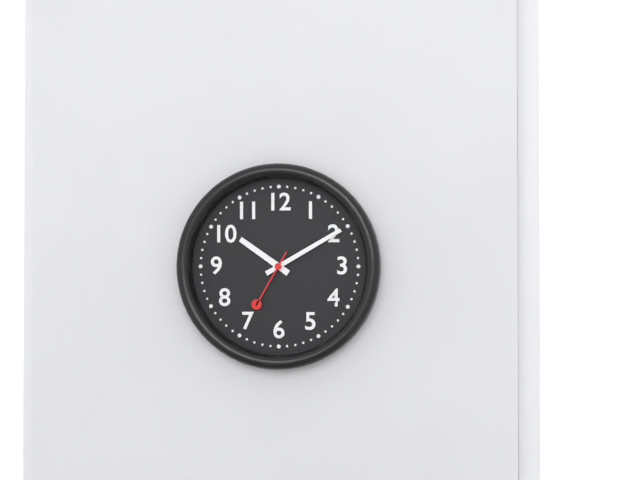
{"hour": 10, "minute": 10, "second": 35}
